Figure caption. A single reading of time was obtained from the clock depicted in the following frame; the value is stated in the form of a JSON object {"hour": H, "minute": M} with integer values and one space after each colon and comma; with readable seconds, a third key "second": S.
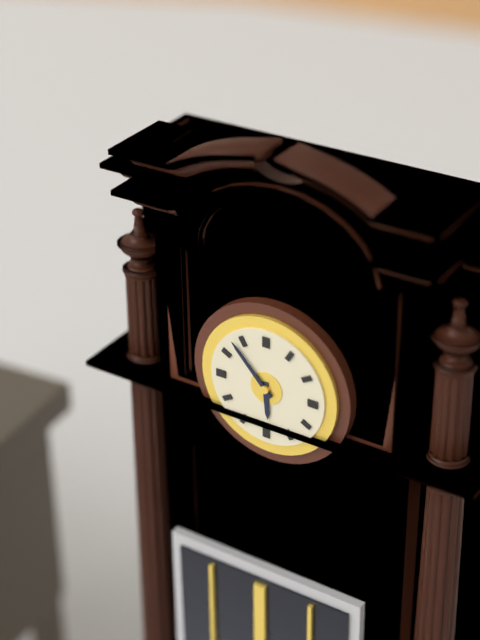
{"hour": 5, "minute": 53}
